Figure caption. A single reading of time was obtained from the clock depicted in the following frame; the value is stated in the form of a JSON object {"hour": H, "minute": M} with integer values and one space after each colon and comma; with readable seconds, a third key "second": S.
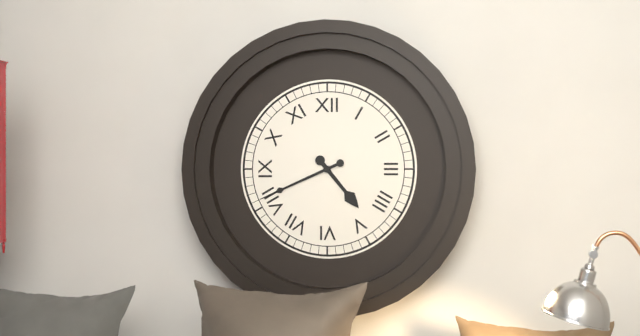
{"hour": 4, "minute": 41}
